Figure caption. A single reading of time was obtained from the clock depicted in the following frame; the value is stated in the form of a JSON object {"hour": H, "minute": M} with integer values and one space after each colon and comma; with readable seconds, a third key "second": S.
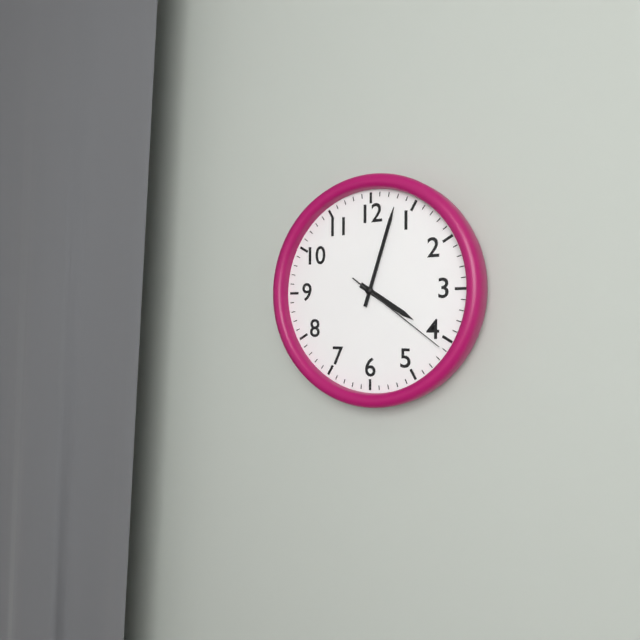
{"hour": 4, "minute": 3, "second": 21}
